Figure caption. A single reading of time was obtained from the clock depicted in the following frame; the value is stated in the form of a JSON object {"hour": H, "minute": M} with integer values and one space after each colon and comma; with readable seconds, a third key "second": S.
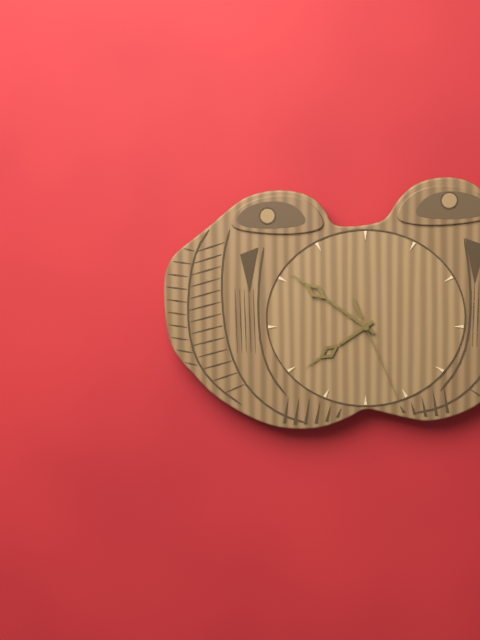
{"hour": 7, "minute": 51, "second": 26}
